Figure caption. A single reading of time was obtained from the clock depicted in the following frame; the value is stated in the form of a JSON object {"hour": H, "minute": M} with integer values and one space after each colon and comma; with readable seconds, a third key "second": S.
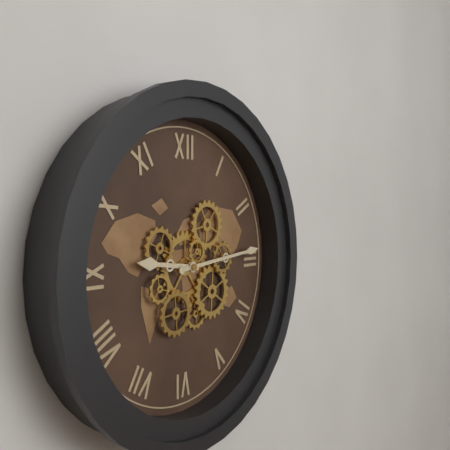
{"hour": 9, "minute": 14}
